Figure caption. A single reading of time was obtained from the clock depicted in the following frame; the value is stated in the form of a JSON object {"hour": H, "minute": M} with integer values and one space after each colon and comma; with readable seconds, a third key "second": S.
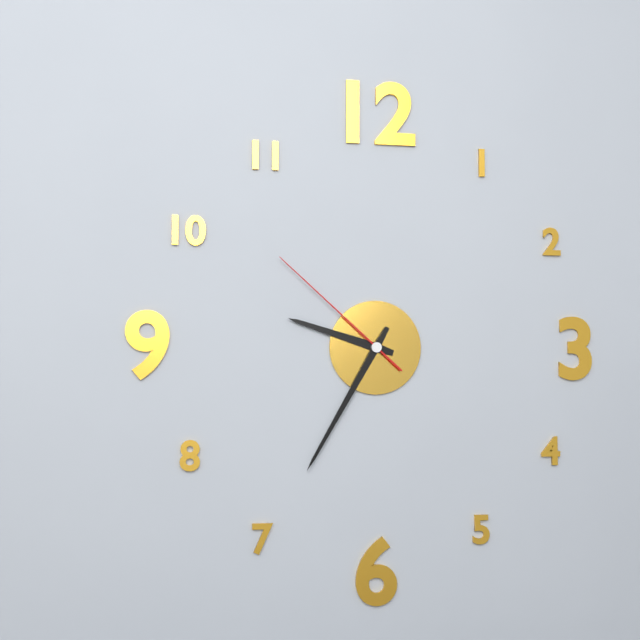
{"hour": 9, "minute": 35, "second": 52}
